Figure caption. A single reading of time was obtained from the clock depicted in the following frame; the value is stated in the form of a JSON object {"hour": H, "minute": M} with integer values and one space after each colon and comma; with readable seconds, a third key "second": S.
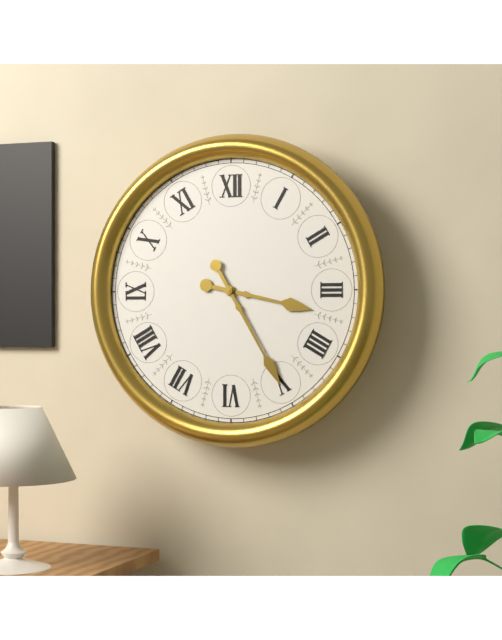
{"hour": 3, "minute": 25}
